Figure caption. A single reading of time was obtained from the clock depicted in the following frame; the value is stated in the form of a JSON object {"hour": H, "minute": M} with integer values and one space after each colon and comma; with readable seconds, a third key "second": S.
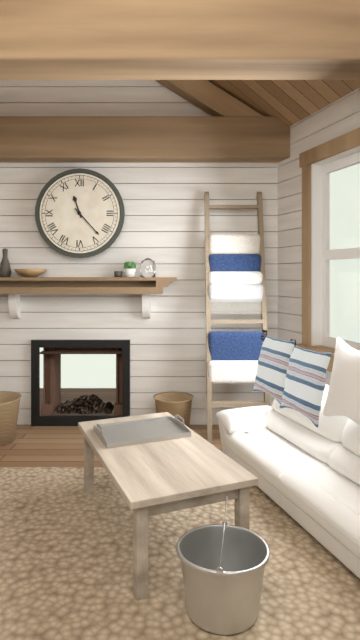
{"hour": 11, "minute": 23}
